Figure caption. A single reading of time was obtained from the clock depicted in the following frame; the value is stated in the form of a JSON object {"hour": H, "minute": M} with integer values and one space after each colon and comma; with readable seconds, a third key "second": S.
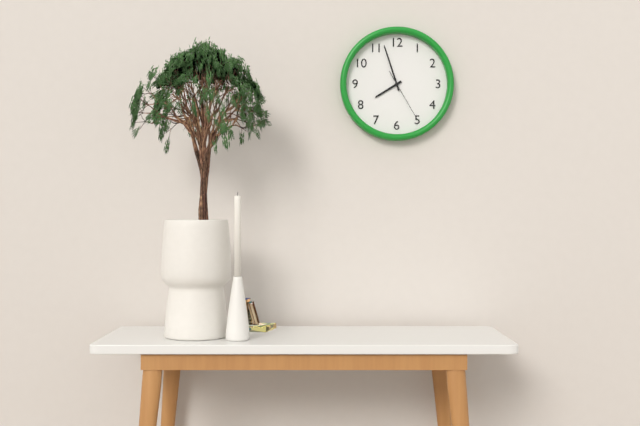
{"hour": 7, "minute": 57, "second": 25}
